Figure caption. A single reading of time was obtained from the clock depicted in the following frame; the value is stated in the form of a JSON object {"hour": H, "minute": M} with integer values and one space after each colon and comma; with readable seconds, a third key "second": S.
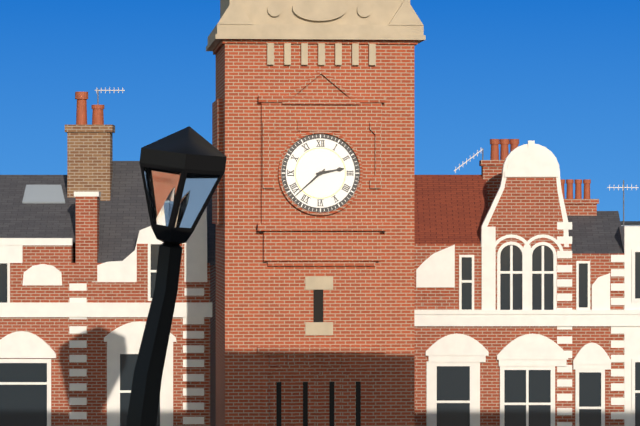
{"hour": 2, "minute": 38}
